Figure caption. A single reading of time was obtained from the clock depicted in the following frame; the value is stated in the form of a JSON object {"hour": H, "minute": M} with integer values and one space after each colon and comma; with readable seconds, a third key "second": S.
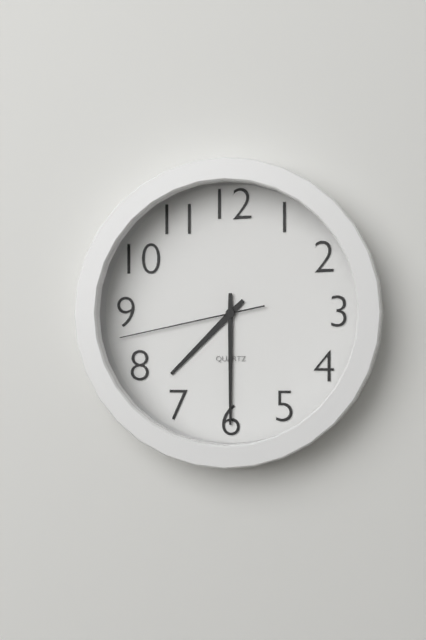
{"hour": 7, "minute": 30, "second": 43}
